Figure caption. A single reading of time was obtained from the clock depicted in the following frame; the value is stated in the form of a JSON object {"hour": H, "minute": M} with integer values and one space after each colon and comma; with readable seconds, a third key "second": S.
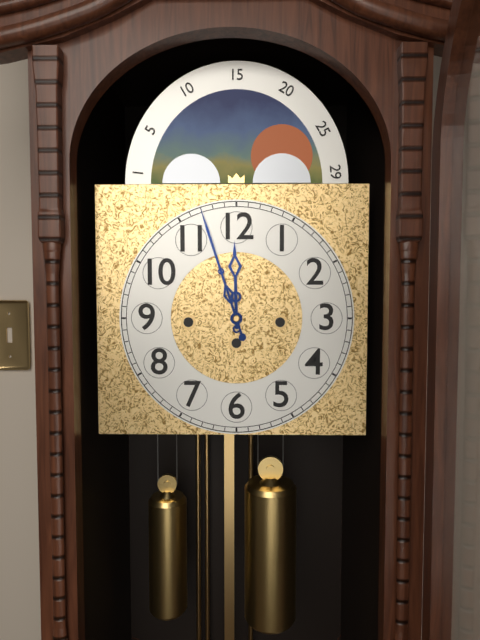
{"hour": 11, "minute": 57}
